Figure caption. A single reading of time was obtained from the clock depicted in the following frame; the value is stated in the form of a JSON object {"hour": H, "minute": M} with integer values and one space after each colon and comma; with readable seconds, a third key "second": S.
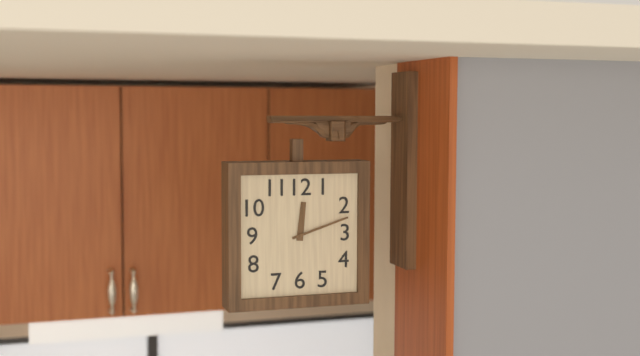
{"hour": 12, "minute": 12}
